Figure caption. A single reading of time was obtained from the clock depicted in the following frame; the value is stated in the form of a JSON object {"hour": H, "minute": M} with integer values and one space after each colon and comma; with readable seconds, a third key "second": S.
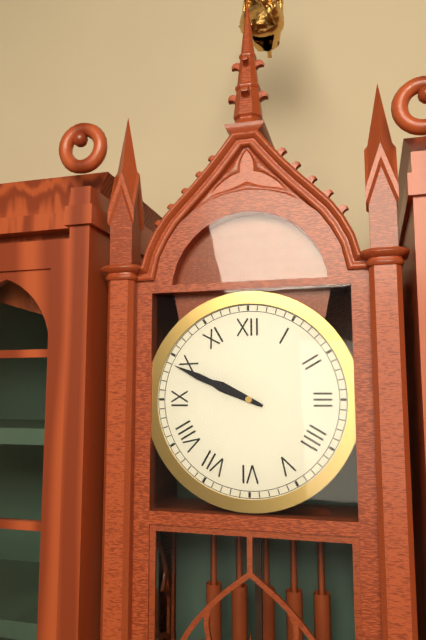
{"hour": 9, "minute": 49}
